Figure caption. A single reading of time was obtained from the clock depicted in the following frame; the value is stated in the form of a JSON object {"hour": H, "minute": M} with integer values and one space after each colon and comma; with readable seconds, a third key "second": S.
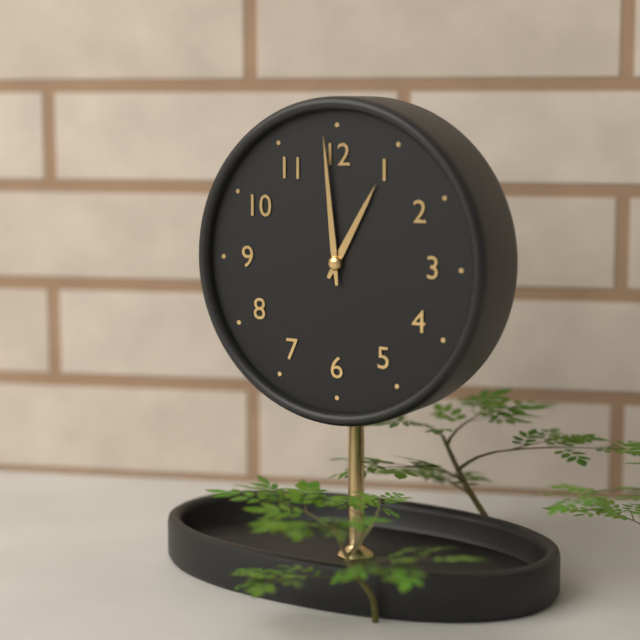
{"hour": 12, "minute": 59}
